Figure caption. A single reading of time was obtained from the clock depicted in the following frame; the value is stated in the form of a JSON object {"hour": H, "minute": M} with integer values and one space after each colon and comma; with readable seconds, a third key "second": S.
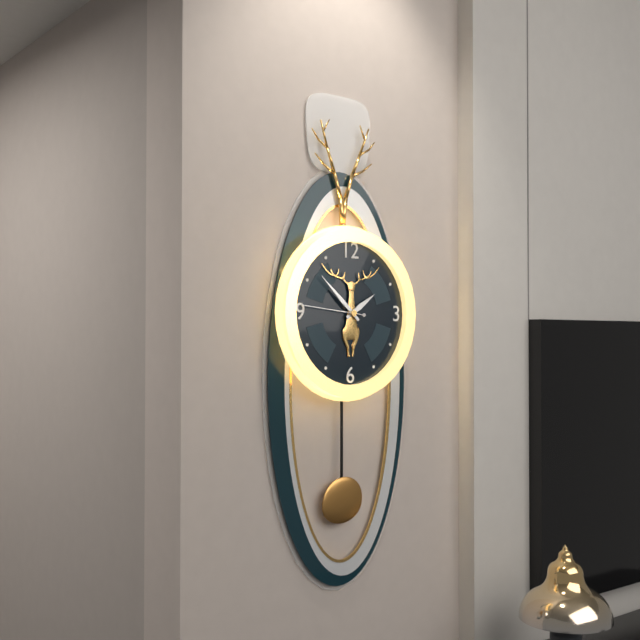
{"hour": 1, "minute": 52, "second": 46}
